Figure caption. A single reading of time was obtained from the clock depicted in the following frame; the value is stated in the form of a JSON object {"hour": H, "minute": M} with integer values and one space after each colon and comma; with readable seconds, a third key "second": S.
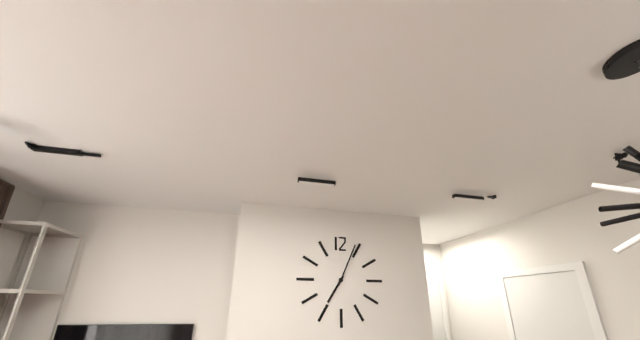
{"hour": 7, "minute": 4}
